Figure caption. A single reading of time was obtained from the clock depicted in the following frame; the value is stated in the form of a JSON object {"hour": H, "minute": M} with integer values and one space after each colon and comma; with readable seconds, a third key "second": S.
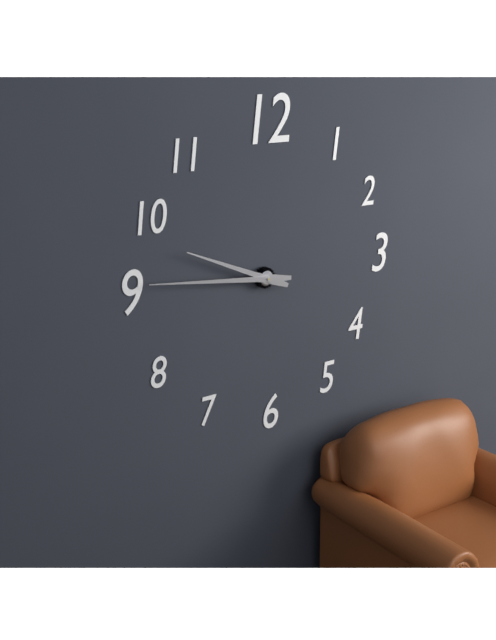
{"hour": 9, "minute": 46}
